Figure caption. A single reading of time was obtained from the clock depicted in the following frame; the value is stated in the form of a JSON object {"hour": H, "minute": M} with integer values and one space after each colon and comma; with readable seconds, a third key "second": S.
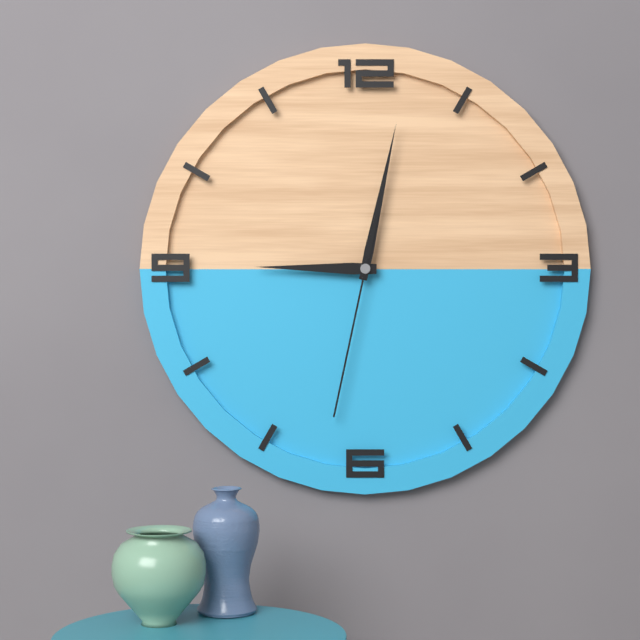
{"hour": 9, "minute": 2, "second": 32}
